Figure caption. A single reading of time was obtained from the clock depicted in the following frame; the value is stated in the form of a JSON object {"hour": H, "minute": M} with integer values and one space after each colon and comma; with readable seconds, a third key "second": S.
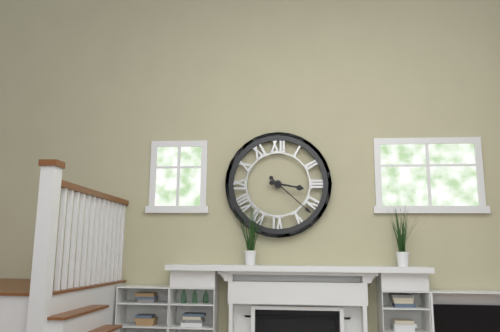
{"hour": 3, "minute": 22}
